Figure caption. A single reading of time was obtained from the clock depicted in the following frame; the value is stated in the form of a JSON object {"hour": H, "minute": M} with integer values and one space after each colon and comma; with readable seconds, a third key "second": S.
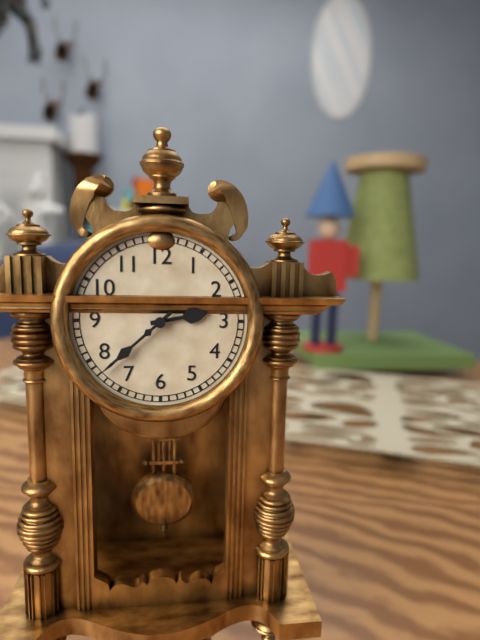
{"hour": 2, "minute": 38}
